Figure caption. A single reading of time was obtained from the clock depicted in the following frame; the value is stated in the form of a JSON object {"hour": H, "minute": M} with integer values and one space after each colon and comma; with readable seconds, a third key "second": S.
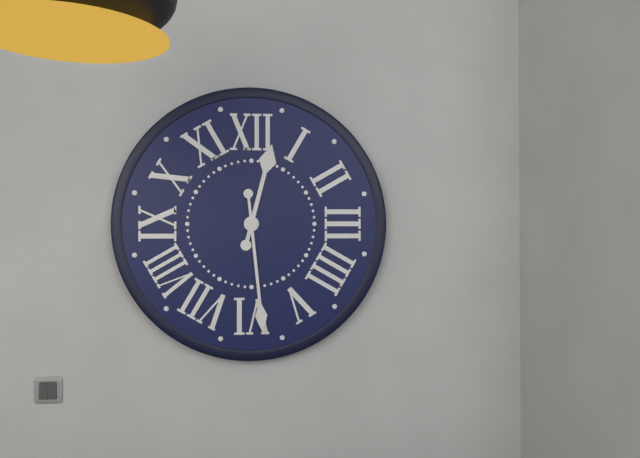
{"hour": 12, "minute": 29}
